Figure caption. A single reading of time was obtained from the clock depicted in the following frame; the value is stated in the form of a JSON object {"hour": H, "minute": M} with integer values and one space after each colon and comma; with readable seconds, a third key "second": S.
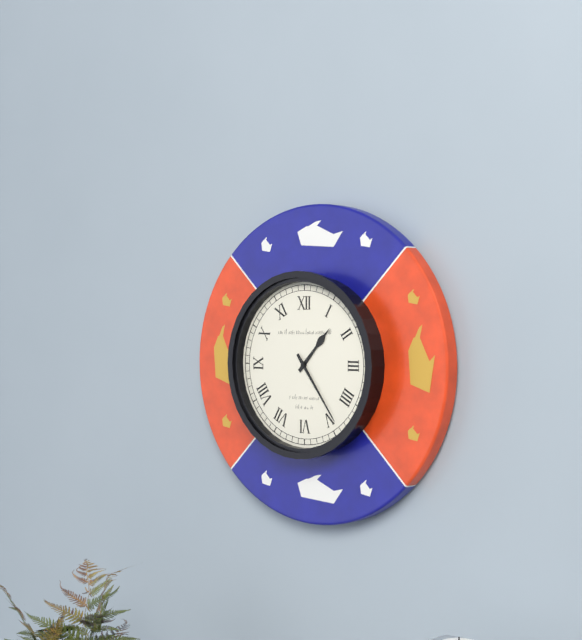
{"hour": 1, "minute": 24}
